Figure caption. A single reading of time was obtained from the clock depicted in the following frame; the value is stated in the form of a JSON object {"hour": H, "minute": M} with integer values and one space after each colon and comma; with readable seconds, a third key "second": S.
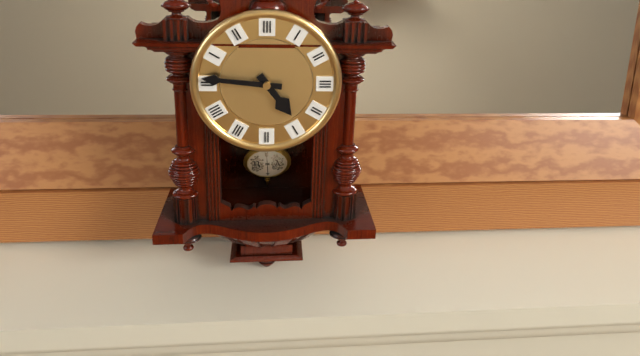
{"hour": 4, "minute": 46}
